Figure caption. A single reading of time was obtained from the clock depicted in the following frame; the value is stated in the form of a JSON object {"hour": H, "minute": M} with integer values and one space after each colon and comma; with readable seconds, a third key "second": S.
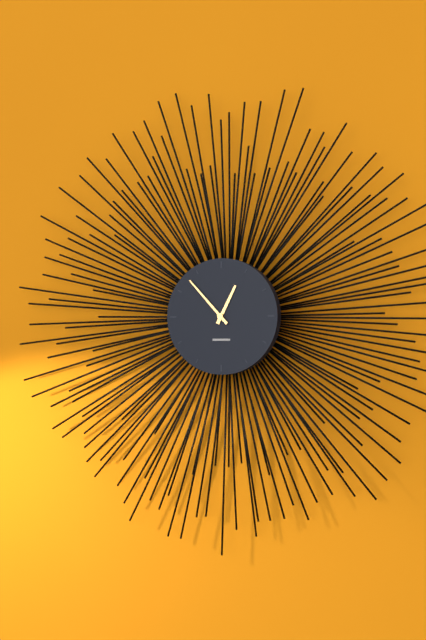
{"hour": 12, "minute": 53}
